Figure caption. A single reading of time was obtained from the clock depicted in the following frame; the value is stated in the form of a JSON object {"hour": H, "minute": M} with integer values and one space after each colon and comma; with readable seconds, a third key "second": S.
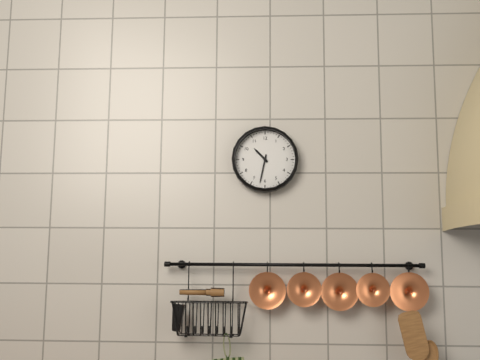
{"hour": 10, "minute": 32}
